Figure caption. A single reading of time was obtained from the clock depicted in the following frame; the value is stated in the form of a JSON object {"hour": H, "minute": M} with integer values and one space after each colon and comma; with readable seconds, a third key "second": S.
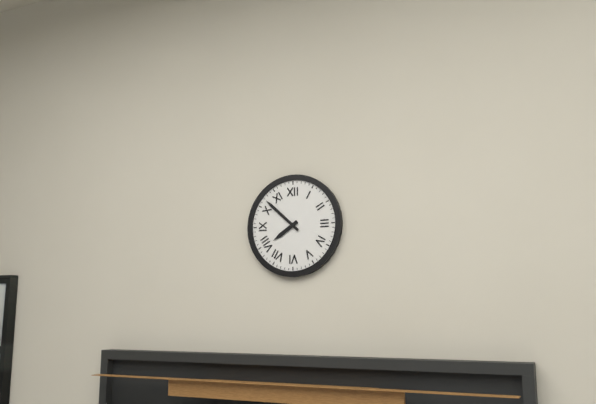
{"hour": 7, "minute": 52}
